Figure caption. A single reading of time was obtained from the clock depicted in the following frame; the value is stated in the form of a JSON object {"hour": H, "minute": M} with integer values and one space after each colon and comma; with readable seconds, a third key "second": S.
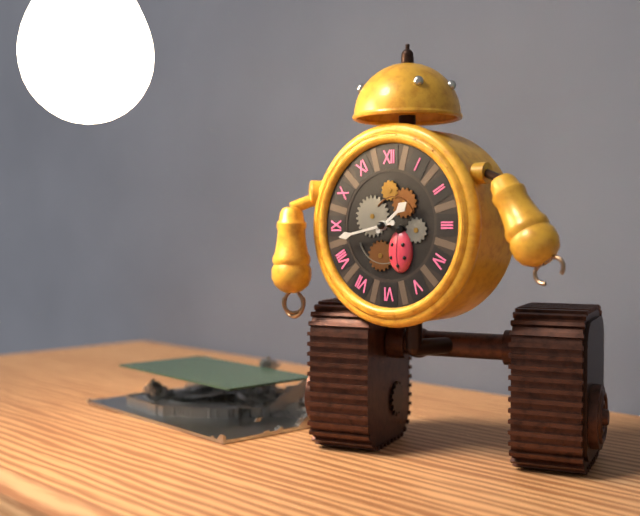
{"hour": 1, "minute": 43}
